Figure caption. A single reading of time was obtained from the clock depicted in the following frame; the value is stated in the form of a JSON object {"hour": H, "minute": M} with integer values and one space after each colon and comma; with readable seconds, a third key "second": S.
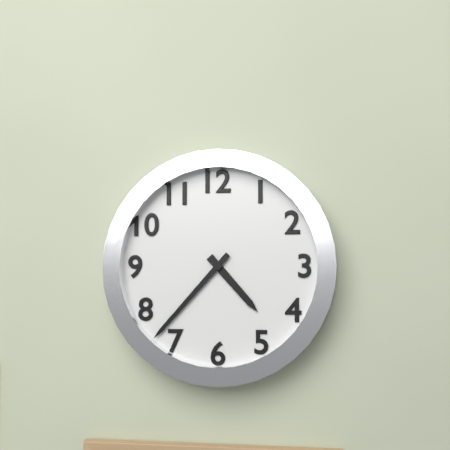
{"hour": 4, "minute": 37}
